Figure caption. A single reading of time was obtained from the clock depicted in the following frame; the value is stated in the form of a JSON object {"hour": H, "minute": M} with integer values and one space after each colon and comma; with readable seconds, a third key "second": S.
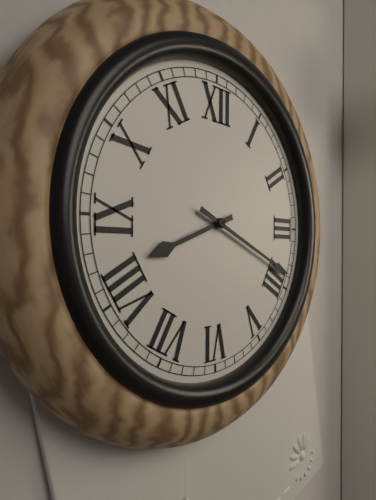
{"hour": 8, "minute": 19}
